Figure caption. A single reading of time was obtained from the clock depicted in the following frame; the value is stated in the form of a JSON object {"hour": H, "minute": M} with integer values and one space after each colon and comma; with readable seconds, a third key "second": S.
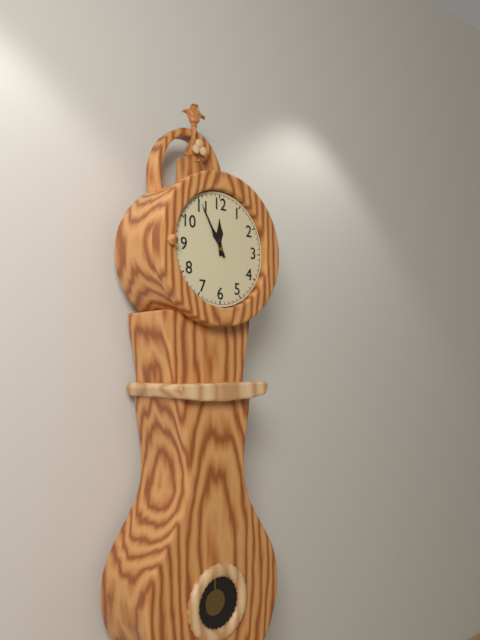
{"hour": 11, "minute": 55}
